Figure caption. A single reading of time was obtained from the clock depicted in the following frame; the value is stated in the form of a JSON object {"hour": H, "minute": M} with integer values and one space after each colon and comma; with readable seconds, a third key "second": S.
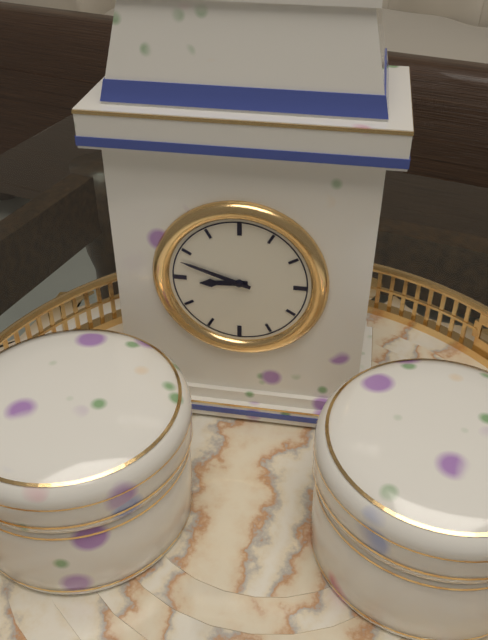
{"hour": 8, "minute": 48}
